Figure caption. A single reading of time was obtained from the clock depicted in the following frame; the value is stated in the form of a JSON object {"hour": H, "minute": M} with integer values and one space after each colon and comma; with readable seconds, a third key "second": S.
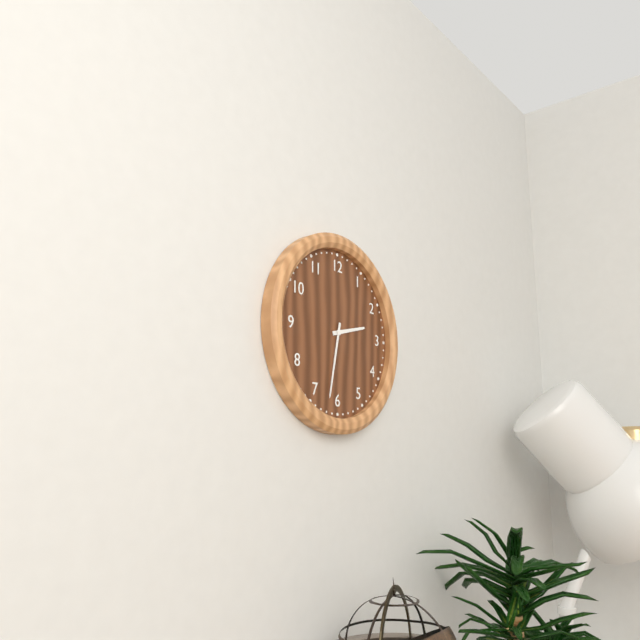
{"hour": 2, "minute": 32}
